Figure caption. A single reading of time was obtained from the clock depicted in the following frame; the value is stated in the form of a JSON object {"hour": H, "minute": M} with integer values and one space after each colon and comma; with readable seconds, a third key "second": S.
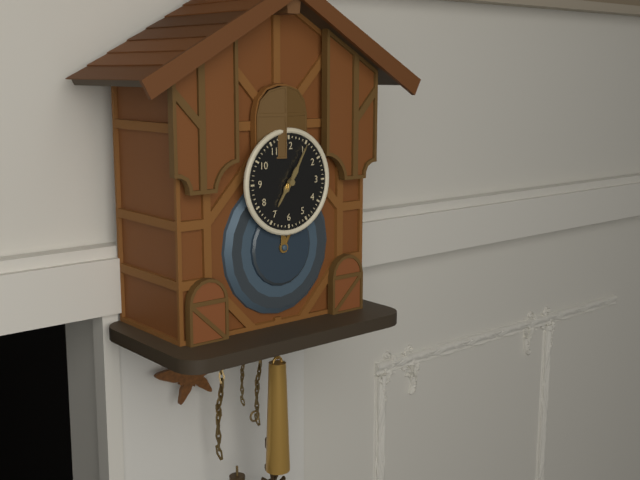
{"hour": 7, "minute": 5}
